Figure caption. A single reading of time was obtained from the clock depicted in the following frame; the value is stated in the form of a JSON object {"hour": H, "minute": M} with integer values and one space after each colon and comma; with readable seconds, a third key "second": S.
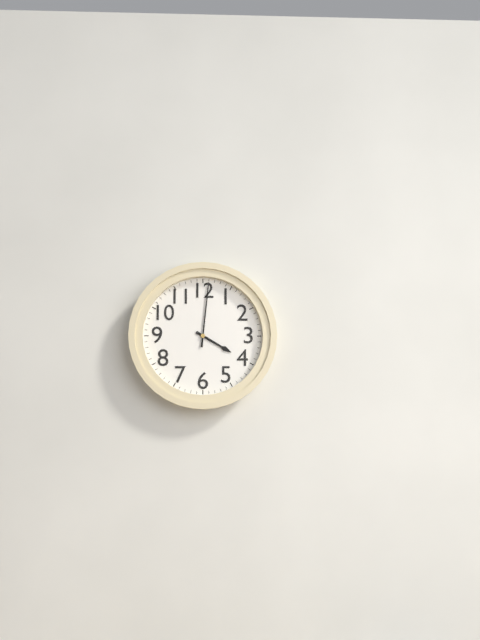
{"hour": 4, "minute": 1}
